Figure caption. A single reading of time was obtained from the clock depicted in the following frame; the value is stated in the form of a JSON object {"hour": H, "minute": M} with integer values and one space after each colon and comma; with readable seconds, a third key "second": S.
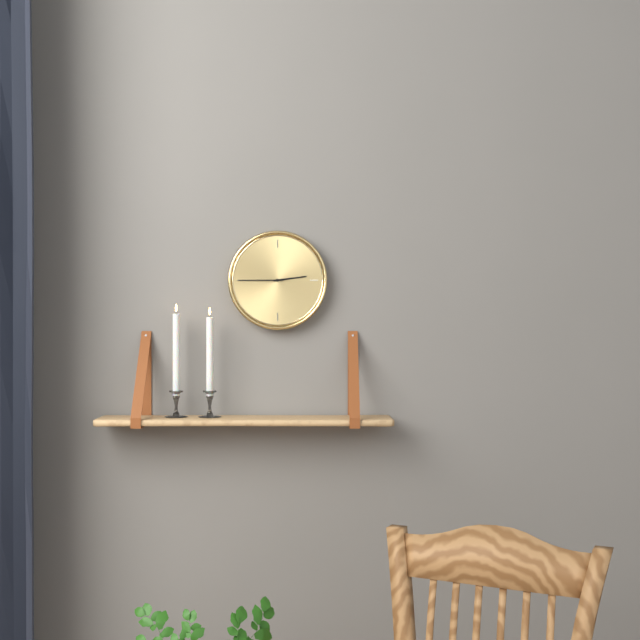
{"hour": 2, "minute": 45}
